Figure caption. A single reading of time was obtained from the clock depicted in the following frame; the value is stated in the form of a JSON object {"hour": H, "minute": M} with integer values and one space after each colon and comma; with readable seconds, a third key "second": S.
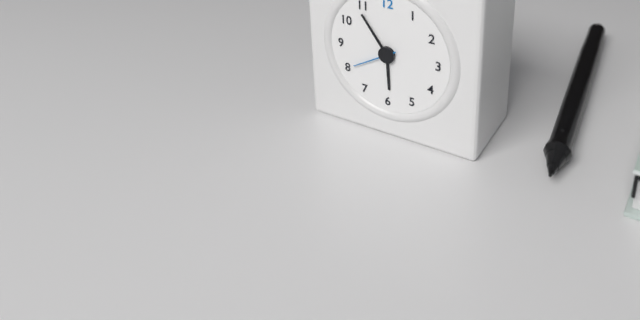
{"hour": 5, "minute": 54}
